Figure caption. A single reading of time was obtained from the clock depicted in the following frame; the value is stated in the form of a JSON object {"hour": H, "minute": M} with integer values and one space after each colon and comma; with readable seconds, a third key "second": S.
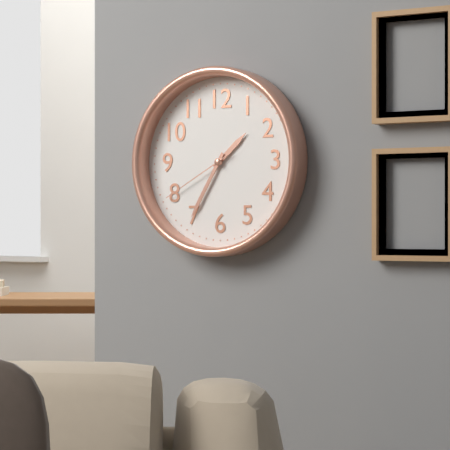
{"hour": 1, "minute": 35, "second": 40}
